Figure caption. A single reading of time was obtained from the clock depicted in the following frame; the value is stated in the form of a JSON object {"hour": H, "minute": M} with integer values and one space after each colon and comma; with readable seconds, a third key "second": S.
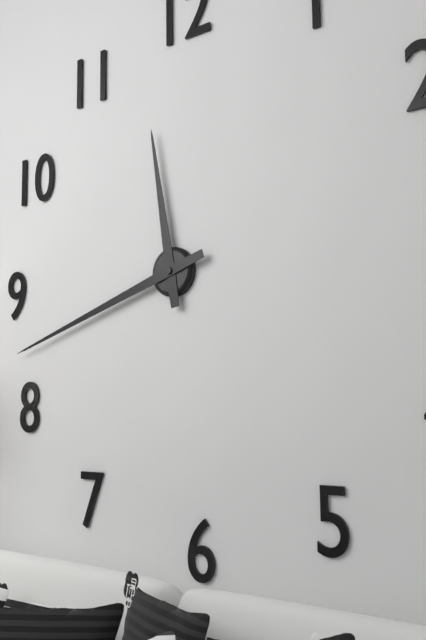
{"hour": 11, "minute": 42}
